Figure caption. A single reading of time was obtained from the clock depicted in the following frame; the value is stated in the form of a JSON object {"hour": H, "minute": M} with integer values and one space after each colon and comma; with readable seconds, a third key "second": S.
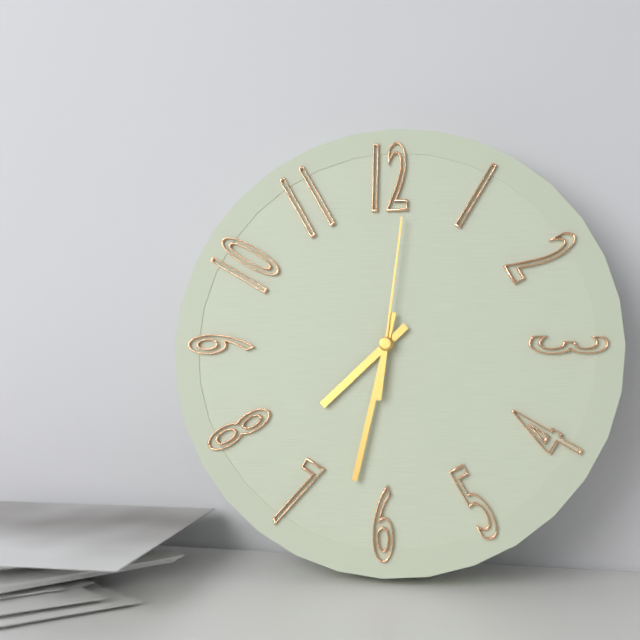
{"hour": 7, "minute": 32, "second": 1}
